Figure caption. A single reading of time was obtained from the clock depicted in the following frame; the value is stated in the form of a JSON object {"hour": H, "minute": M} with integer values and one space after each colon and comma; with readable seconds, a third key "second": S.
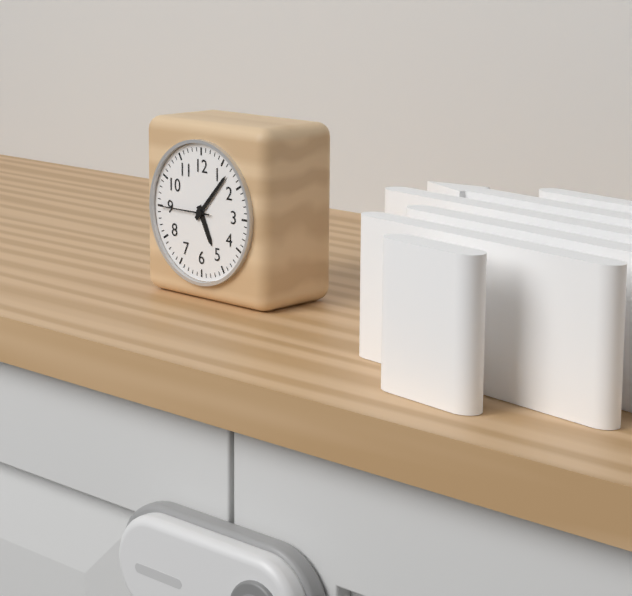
{"hour": 5, "minute": 7, "second": 45}
